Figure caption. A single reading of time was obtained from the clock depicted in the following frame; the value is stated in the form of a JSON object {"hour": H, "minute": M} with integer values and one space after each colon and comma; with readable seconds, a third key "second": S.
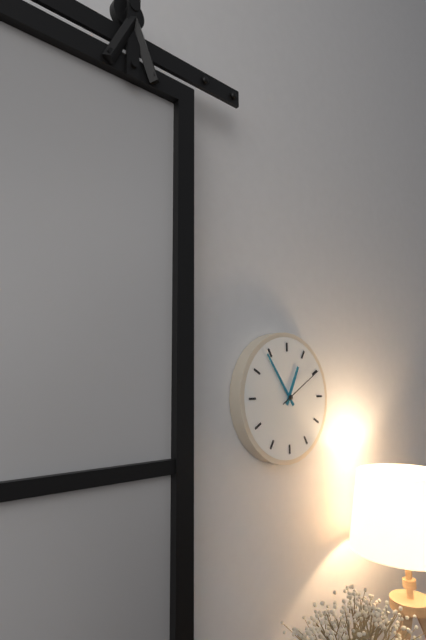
{"hour": 12, "minute": 54}
